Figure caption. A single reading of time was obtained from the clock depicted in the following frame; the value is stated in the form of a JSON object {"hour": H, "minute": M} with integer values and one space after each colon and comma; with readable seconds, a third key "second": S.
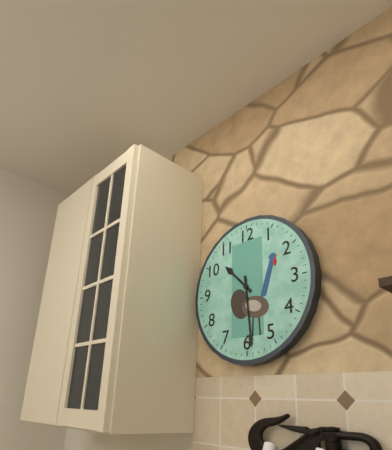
{"hour": 10, "minute": 29}
